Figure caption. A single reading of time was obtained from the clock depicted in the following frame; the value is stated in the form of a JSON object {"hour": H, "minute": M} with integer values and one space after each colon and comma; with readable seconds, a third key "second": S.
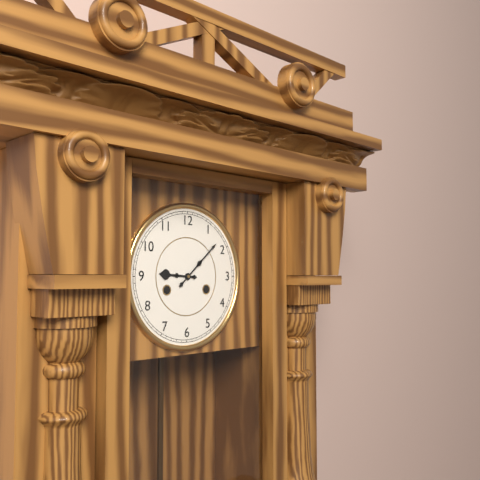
{"hour": 9, "minute": 8}
